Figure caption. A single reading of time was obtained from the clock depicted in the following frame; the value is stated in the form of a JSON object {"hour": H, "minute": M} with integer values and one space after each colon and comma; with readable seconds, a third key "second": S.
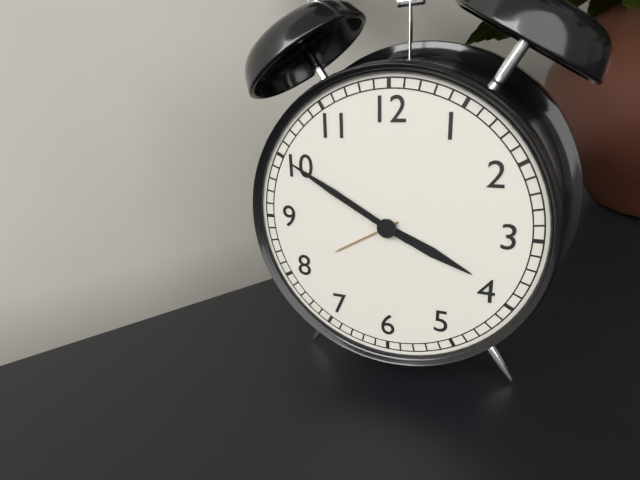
{"hour": 3, "minute": 50}
